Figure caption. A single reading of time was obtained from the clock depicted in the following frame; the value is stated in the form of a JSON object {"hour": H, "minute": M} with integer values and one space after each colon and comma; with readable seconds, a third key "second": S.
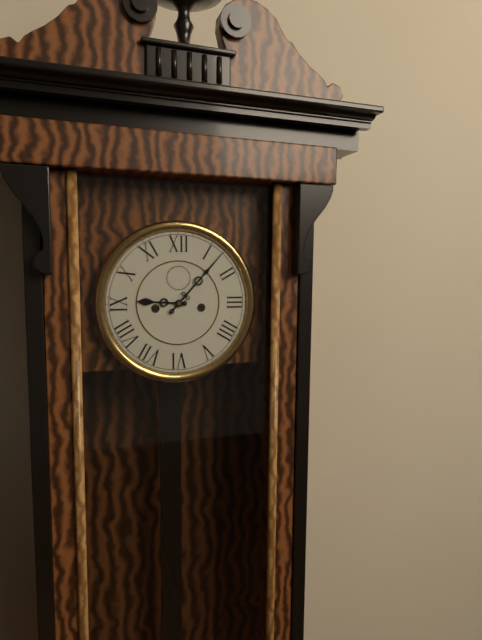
{"hour": 9, "minute": 7}
